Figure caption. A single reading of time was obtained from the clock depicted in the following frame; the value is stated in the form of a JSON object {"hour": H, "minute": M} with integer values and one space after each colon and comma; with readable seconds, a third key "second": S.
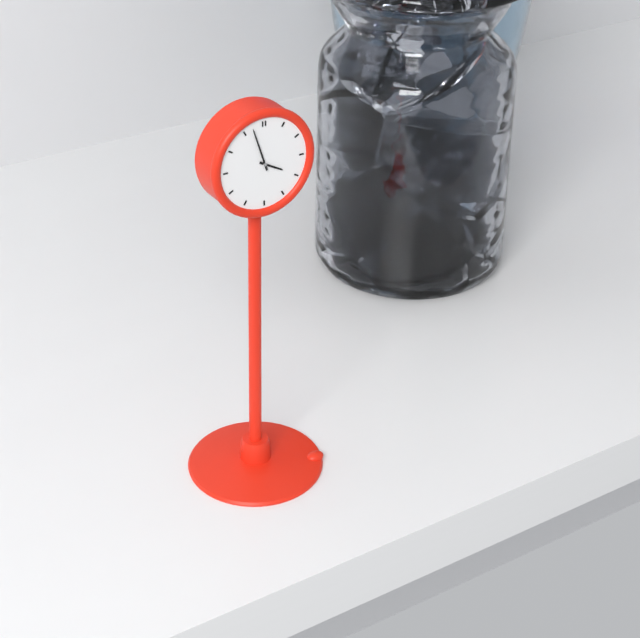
{"hour": 3, "minute": 57}
